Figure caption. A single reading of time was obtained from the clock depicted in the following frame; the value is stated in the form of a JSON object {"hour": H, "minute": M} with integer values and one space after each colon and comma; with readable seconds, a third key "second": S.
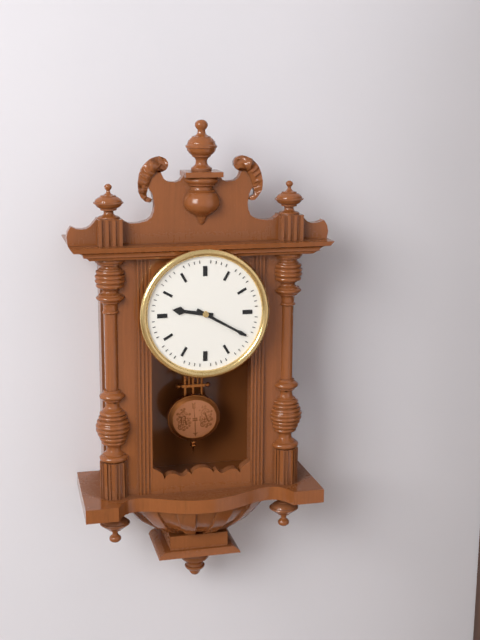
{"hour": 9, "minute": 20}
